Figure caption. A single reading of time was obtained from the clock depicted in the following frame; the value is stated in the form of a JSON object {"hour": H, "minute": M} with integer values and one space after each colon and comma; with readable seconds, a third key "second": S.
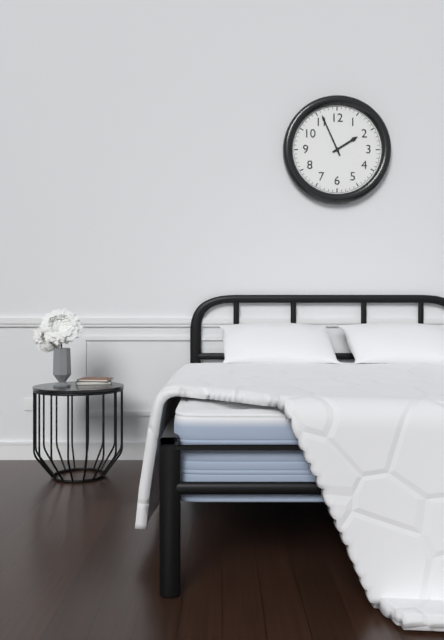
{"hour": 1, "minute": 56}
